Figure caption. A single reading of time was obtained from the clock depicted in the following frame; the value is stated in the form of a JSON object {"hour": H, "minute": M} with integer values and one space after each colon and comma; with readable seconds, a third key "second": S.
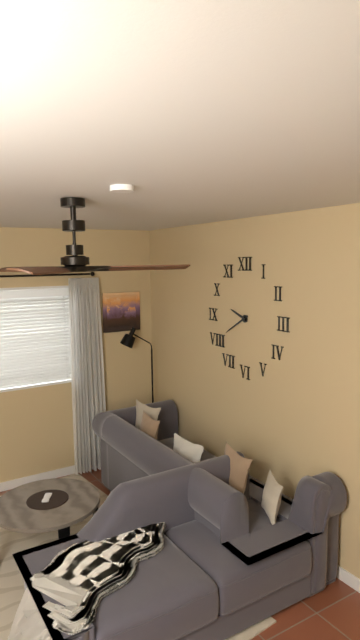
{"hour": 9, "minute": 40}
